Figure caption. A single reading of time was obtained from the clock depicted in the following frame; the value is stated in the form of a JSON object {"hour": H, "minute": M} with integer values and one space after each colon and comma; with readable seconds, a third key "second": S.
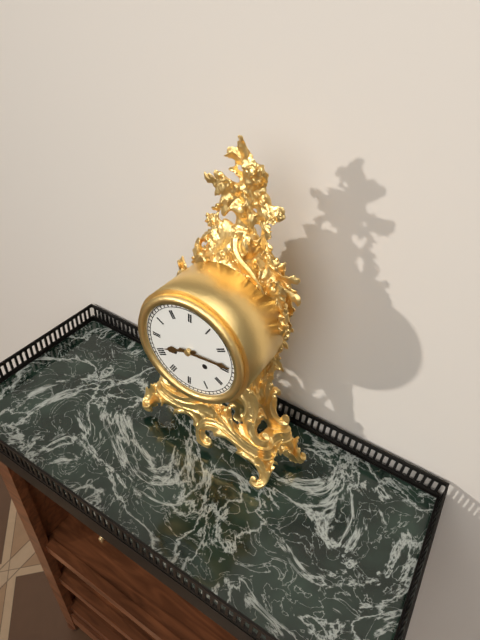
{"hour": 8, "minute": 14}
